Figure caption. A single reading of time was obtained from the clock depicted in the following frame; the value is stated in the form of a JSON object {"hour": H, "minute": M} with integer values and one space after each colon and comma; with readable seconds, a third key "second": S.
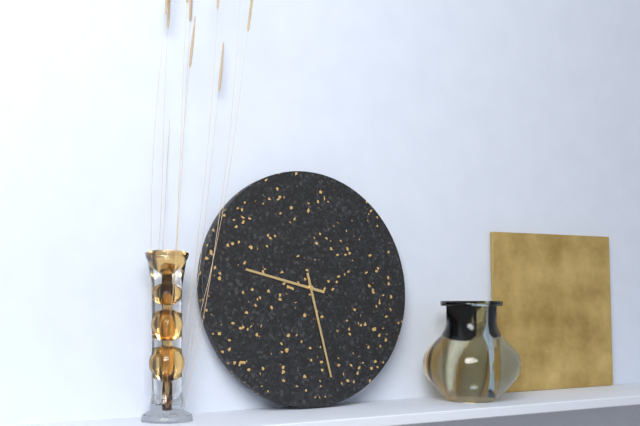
{"hour": 9, "minute": 28}
